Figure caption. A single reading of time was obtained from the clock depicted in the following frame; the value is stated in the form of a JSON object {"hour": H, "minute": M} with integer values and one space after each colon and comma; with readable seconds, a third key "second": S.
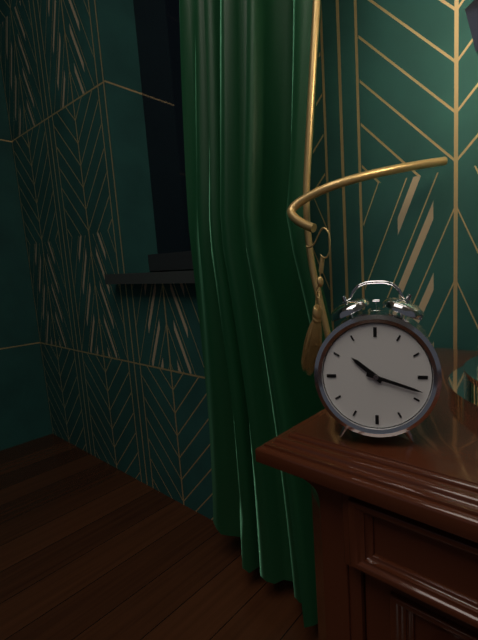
{"hour": 10, "minute": 18}
